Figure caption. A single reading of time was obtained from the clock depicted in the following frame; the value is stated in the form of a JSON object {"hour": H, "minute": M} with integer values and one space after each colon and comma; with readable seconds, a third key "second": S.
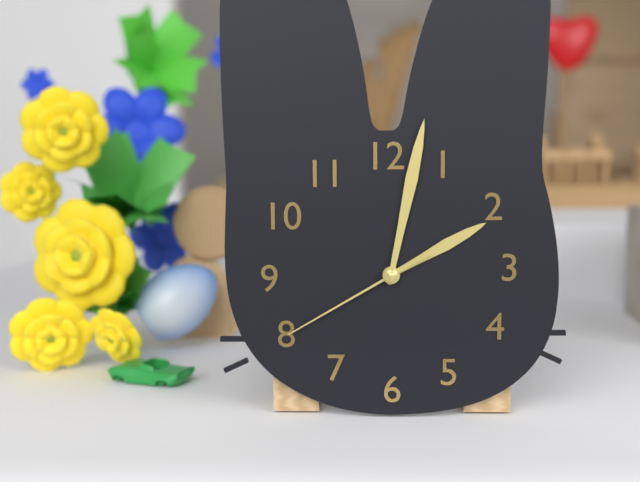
{"hour": 2, "minute": 2, "second": 40}
